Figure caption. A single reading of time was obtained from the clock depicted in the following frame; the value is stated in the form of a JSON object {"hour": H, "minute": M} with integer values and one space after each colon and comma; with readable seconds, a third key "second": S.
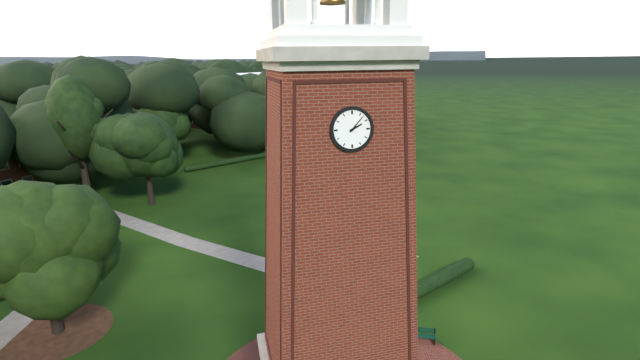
{"hour": 2, "minute": 7}
